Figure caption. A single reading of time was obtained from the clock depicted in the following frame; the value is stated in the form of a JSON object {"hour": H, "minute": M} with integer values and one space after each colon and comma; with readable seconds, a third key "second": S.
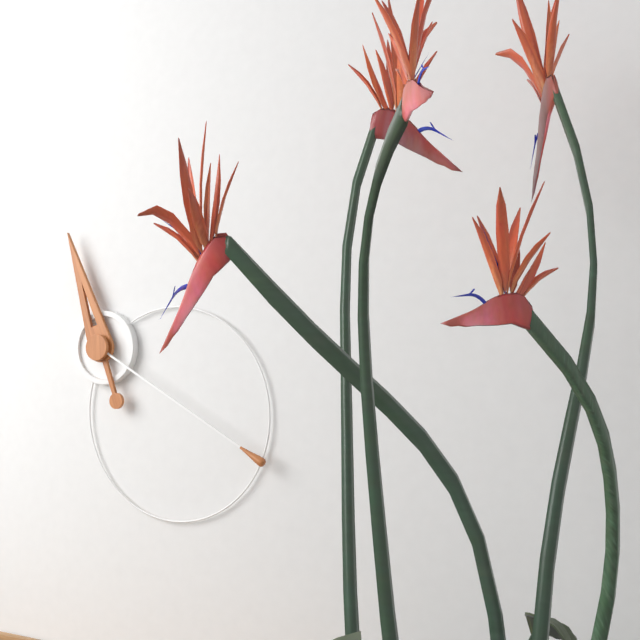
{"hour": 11, "minute": 20}
